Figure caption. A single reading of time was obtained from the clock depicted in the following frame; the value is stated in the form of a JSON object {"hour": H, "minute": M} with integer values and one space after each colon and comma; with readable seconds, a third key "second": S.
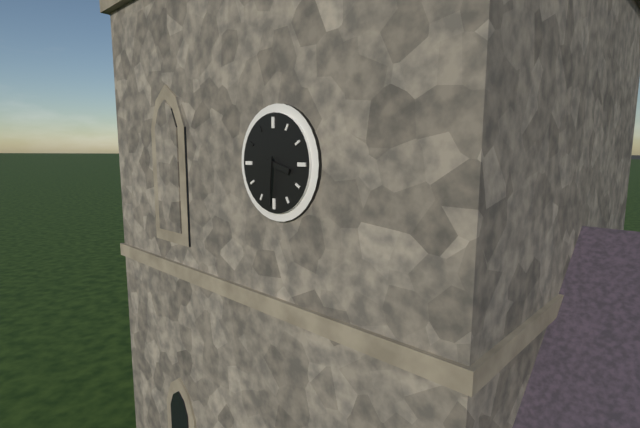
{"hour": 3, "minute": 31}
